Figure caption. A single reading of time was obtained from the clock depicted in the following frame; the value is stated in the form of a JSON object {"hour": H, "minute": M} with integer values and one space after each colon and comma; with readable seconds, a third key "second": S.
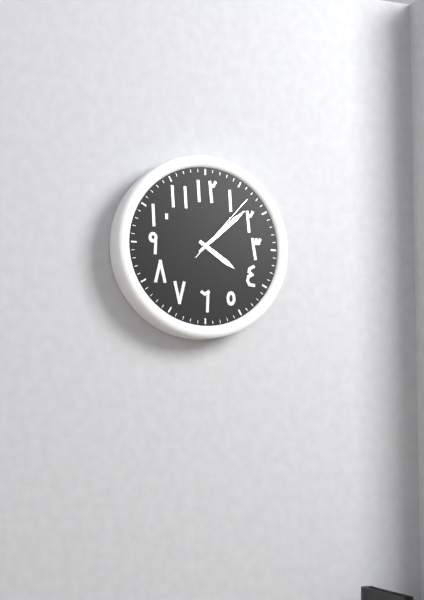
{"hour": 4, "minute": 8, "second": 7}
